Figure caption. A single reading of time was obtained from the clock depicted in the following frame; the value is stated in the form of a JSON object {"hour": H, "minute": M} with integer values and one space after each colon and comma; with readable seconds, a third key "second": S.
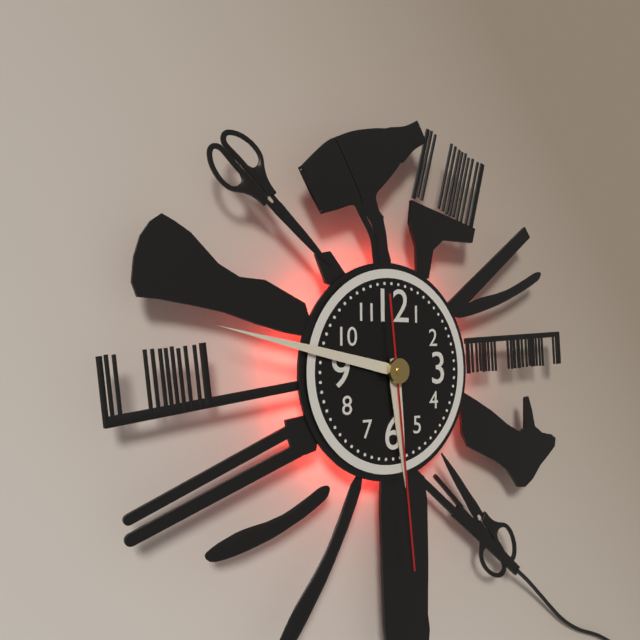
{"hour": 5, "minute": 47, "second": 29}
